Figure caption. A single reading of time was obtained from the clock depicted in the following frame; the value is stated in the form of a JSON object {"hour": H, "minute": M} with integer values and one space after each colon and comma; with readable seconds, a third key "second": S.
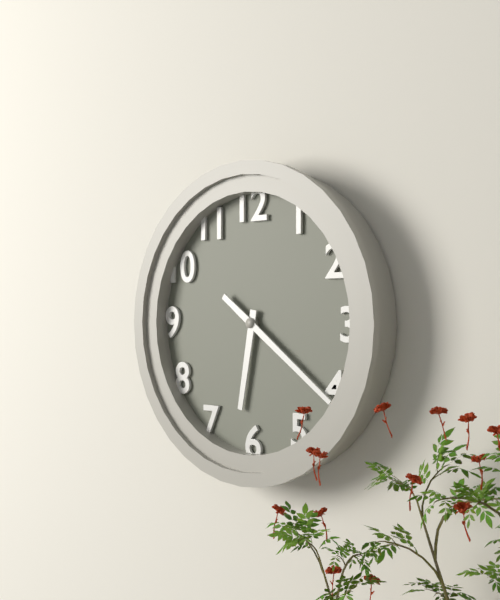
{"hour": 6, "minute": 21}
